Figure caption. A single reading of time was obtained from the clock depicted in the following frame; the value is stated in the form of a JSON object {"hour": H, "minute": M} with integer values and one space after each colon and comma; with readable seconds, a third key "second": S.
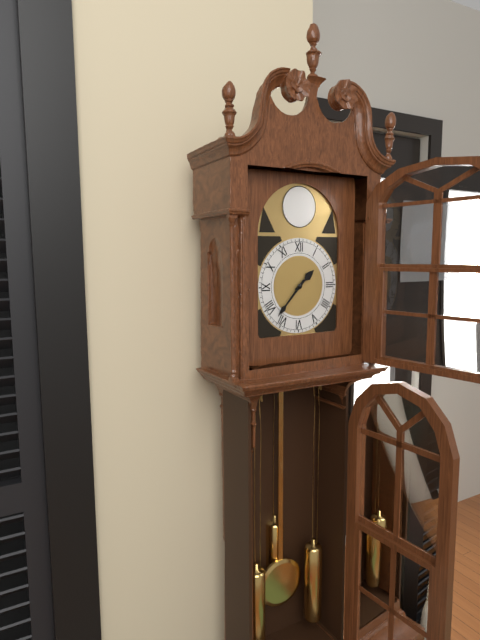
{"hour": 1, "minute": 37}
